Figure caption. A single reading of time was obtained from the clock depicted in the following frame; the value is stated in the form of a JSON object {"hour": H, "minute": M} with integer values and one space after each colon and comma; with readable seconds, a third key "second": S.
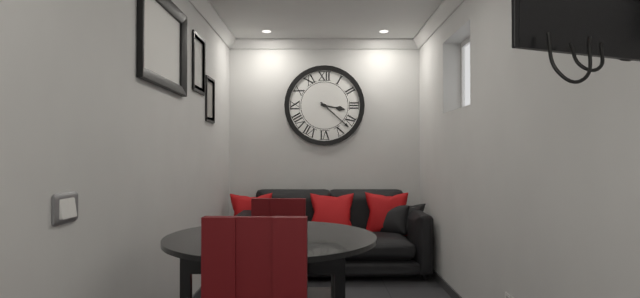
{"hour": 3, "minute": 22}
